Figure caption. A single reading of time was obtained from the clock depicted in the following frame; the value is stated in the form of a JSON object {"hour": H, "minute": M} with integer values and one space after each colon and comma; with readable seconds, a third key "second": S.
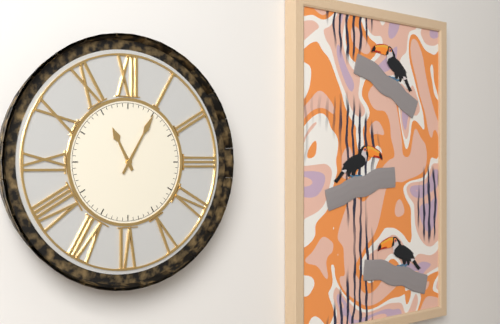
{"hour": 11, "minute": 5}
